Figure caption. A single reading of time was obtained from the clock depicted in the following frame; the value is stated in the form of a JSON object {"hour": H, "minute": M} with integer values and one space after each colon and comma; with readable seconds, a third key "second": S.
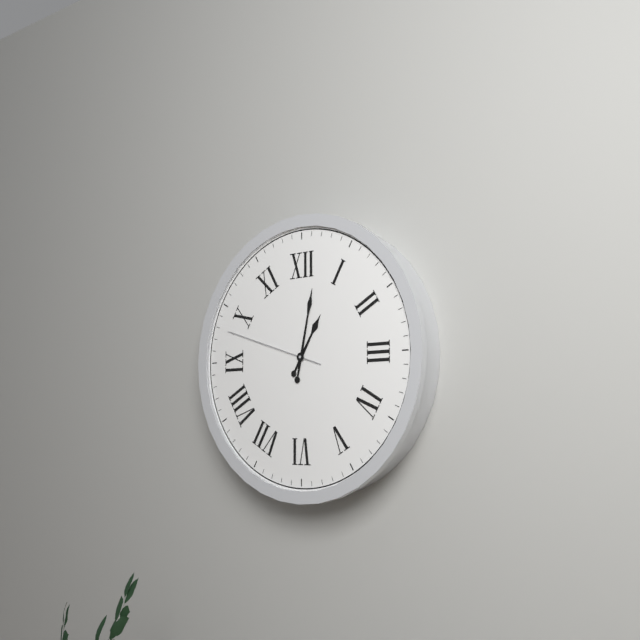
{"hour": 1, "minute": 2, "second": 48}
